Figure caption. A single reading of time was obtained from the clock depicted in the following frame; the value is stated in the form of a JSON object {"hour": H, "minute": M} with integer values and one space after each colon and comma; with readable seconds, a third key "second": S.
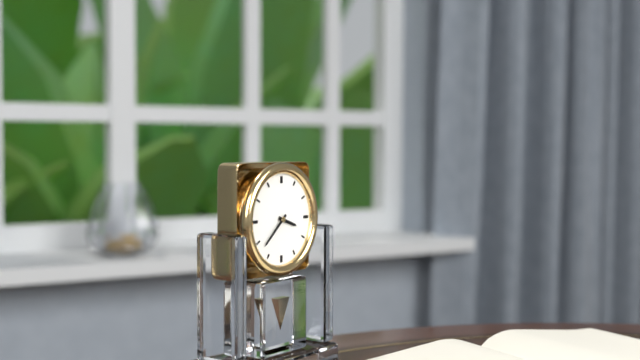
{"hour": 3, "minute": 38}
